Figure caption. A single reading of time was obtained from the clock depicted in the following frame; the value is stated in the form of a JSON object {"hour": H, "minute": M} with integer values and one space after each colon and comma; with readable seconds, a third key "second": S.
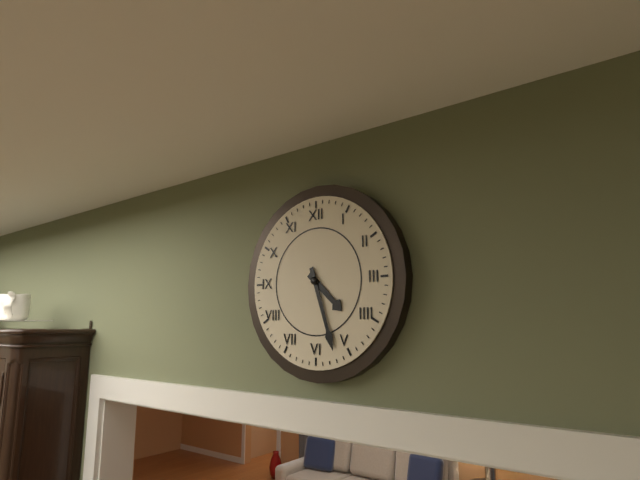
{"hour": 4, "minute": 27}
